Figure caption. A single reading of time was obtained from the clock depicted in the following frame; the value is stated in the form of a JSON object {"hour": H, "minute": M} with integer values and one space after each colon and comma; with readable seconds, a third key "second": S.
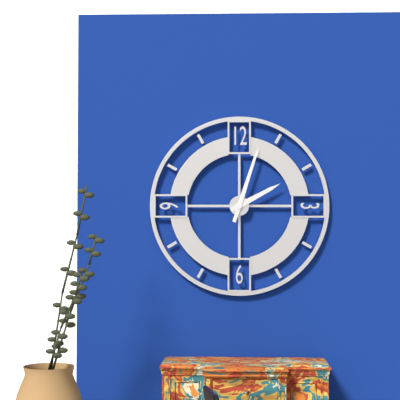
{"hour": 2, "minute": 3}
